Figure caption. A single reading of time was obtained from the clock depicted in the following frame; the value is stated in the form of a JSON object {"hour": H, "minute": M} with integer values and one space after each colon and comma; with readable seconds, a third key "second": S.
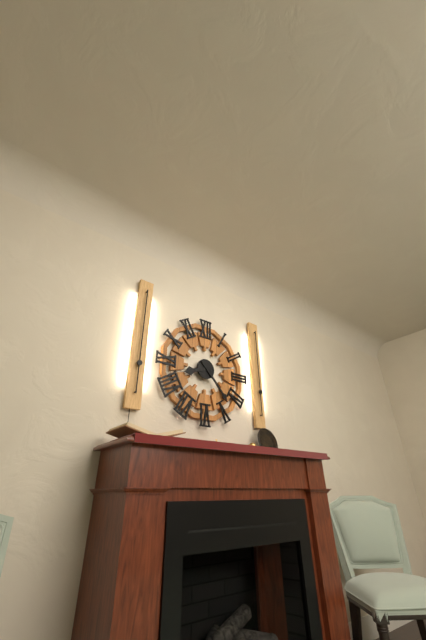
{"hour": 8, "minute": 23}
